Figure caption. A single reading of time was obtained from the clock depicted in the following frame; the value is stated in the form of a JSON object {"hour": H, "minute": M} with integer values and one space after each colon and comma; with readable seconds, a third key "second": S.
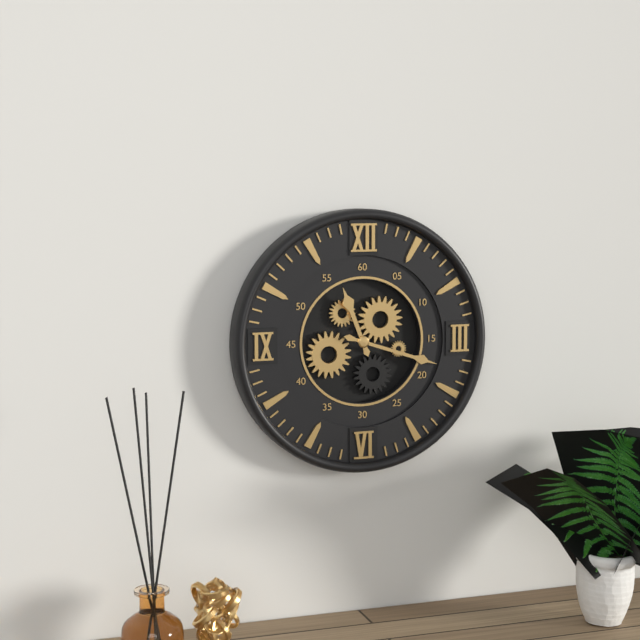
{"hour": 11, "minute": 18}
